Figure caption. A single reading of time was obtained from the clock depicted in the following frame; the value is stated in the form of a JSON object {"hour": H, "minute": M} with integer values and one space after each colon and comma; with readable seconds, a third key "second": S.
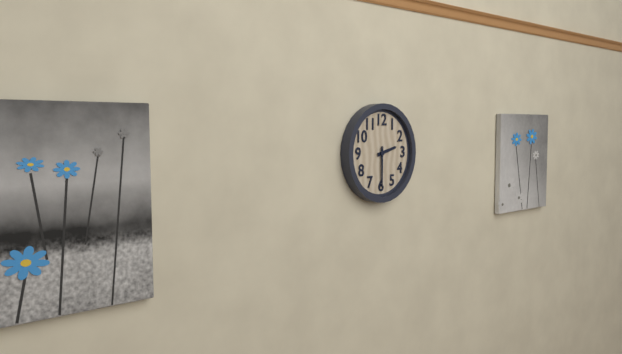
{"hour": 2, "minute": 30}
